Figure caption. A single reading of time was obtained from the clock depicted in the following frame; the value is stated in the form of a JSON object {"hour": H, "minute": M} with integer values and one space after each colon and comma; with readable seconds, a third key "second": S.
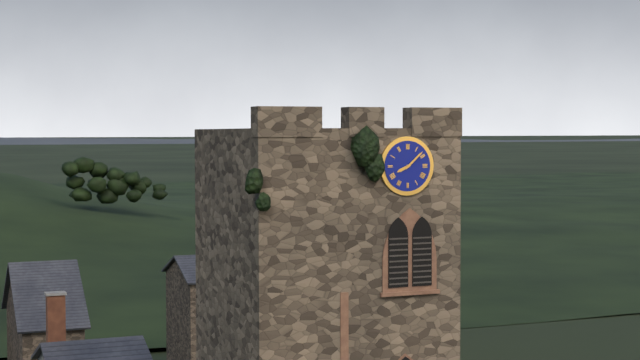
{"hour": 8, "minute": 8}
